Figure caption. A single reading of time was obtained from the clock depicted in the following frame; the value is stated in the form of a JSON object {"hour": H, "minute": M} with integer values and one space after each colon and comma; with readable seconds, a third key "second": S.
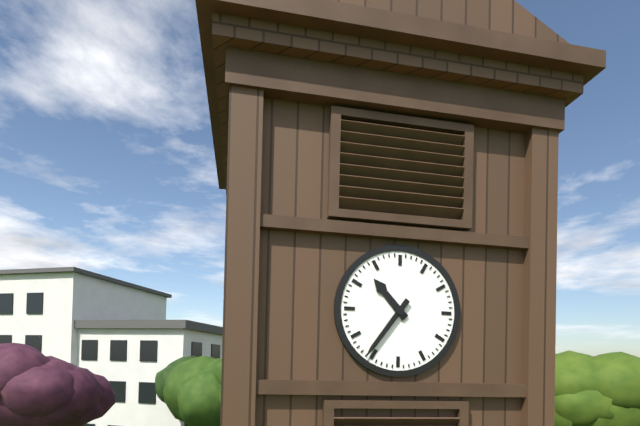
{"hour": 10, "minute": 36}
